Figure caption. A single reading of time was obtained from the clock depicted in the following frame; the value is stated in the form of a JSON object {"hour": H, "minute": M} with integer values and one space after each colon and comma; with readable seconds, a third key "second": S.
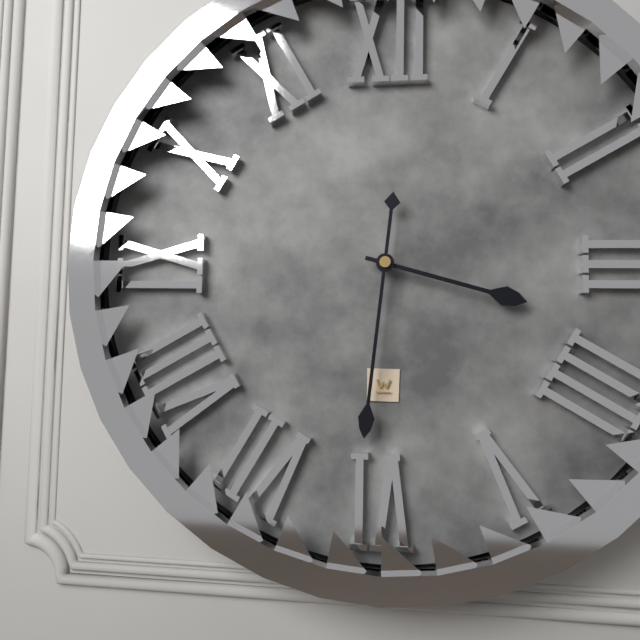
{"hour": 3, "minute": 31}
